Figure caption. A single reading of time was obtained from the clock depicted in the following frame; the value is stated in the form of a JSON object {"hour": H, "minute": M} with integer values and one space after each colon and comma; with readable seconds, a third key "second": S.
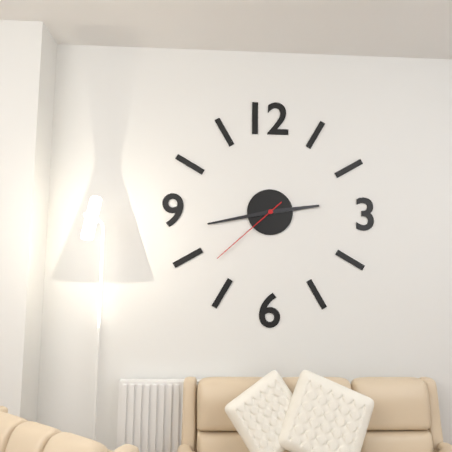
{"hour": 2, "minute": 43, "second": 38}
